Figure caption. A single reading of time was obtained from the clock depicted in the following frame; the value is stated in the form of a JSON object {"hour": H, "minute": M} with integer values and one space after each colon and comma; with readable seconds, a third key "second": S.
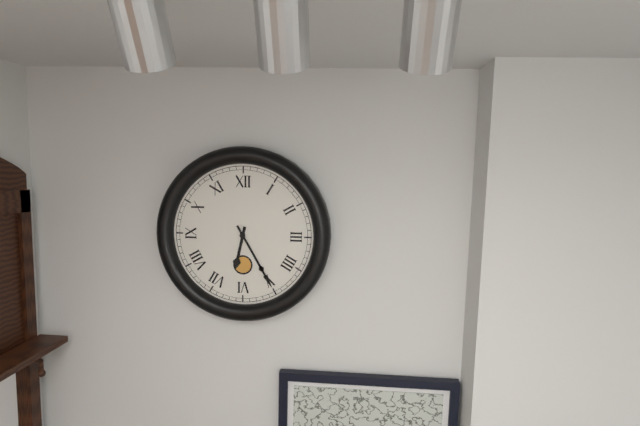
{"hour": 6, "minute": 25}
